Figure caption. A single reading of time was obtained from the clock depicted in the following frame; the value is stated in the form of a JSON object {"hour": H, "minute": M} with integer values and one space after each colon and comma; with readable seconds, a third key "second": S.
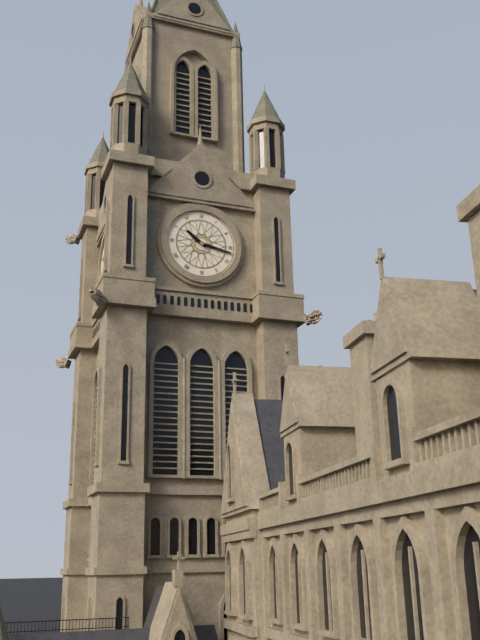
{"hour": 10, "minute": 17}
